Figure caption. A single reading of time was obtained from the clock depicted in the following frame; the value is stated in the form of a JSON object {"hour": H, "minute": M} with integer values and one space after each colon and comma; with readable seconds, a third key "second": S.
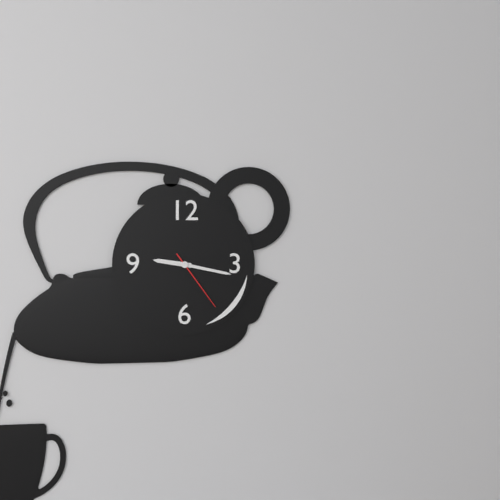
{"hour": 9, "minute": 17, "second": 24}
